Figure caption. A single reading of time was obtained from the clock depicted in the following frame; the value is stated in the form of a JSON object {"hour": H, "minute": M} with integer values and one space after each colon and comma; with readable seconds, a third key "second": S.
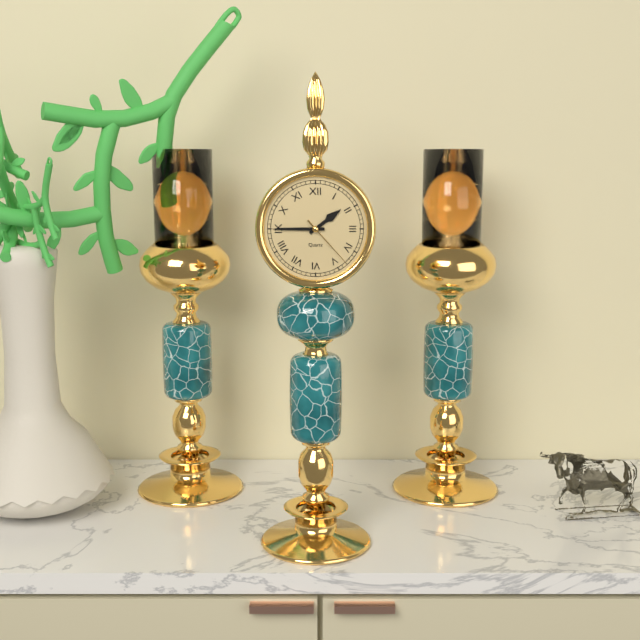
{"hour": 1, "minute": 45, "second": 23}
